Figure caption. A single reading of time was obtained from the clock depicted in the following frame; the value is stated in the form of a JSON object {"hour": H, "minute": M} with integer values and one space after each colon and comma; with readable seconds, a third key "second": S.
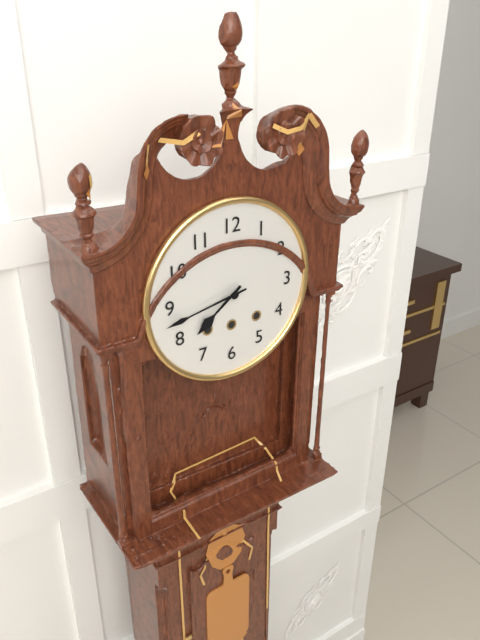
{"hour": 7, "minute": 43}
